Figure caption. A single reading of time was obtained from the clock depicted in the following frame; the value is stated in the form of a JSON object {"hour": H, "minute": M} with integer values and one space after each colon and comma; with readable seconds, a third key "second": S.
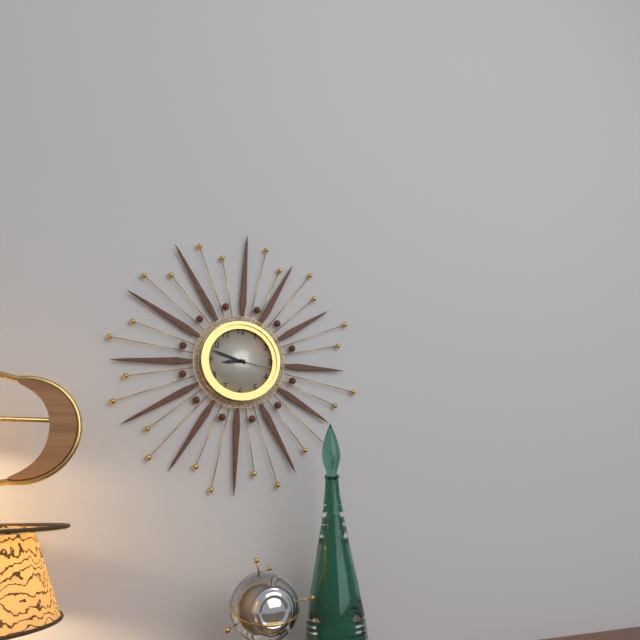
{"hour": 8, "minute": 48}
